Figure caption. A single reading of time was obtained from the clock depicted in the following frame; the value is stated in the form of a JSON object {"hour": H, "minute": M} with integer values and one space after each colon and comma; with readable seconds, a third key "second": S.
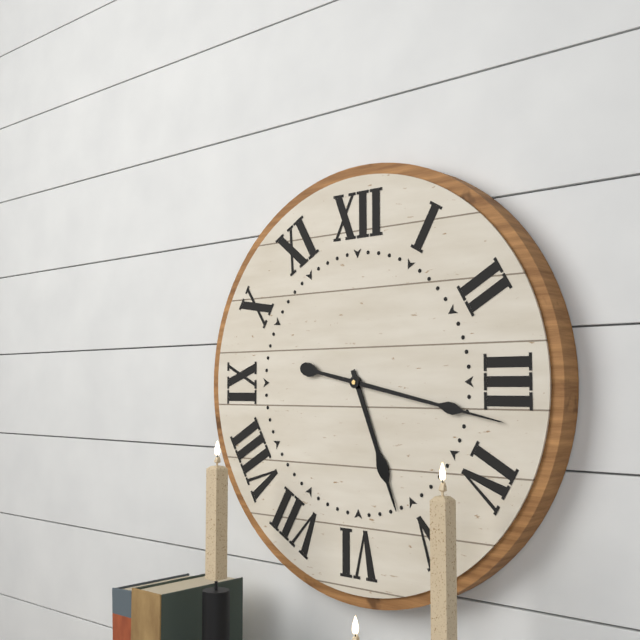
{"hour": 5, "minute": 17}
